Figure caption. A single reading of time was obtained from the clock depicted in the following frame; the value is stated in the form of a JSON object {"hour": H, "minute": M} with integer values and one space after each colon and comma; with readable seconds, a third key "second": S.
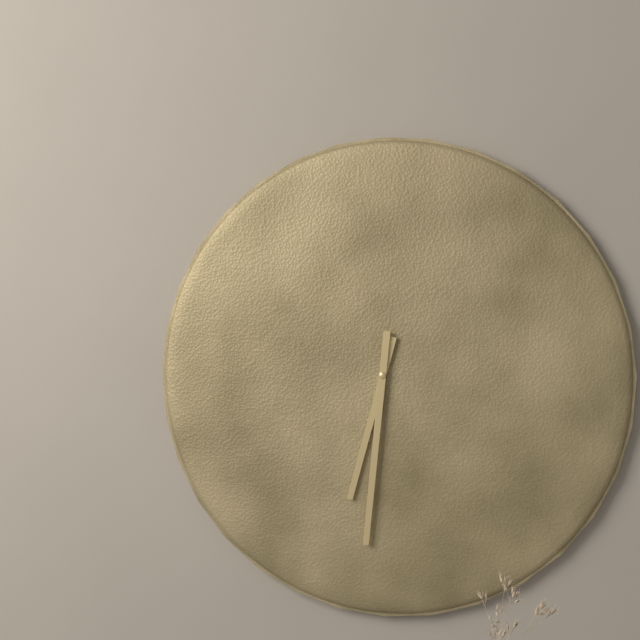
{"hour": 6, "minute": 31}
